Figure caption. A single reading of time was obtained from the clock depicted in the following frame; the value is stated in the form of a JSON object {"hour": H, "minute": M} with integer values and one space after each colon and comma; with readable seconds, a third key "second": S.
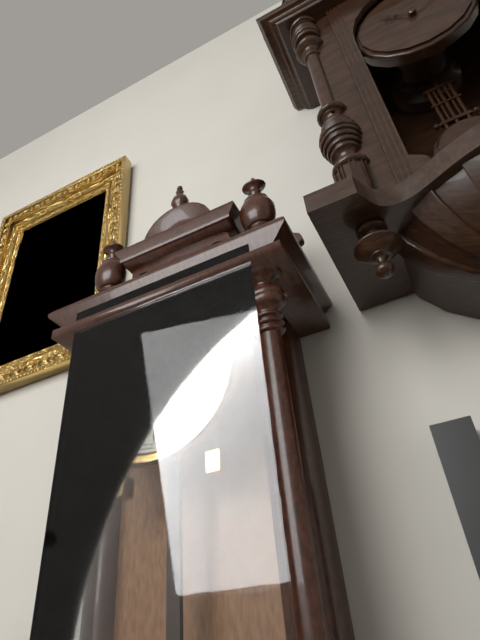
{"hour": 5, "minute": 40}
